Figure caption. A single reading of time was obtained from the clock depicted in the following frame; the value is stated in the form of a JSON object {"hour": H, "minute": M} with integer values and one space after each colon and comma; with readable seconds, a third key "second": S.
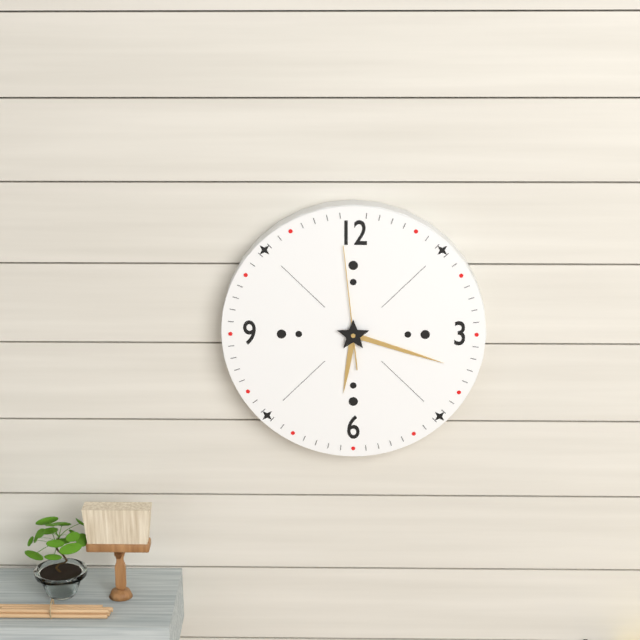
{"hour": 6, "minute": 18, "second": 59}
